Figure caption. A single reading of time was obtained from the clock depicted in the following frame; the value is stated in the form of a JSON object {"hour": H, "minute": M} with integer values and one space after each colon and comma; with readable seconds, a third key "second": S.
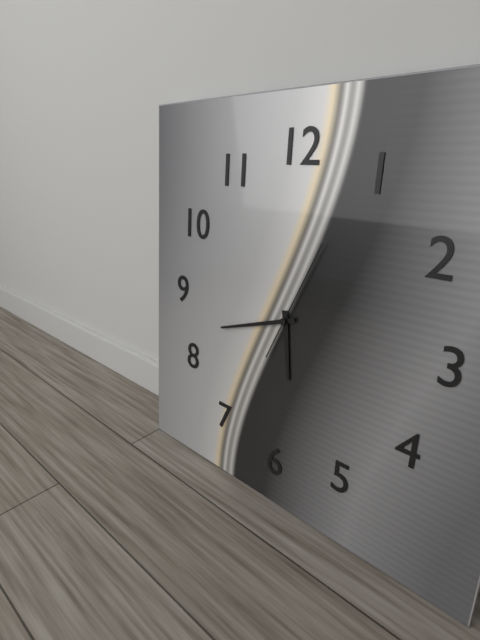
{"hour": 5, "minute": 42, "second": 4}
